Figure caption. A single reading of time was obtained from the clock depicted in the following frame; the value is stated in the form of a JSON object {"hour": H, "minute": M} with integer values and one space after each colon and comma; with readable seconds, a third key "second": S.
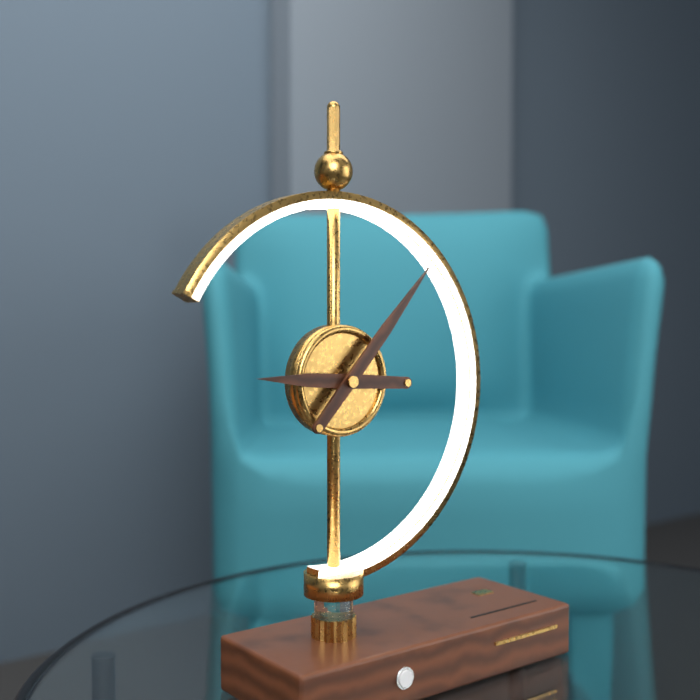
{"hour": 9, "minute": 7}
